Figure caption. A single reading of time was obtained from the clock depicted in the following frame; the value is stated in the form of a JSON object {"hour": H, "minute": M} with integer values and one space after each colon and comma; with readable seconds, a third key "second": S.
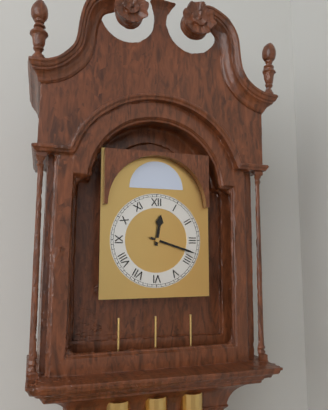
{"hour": 12, "minute": 18}
